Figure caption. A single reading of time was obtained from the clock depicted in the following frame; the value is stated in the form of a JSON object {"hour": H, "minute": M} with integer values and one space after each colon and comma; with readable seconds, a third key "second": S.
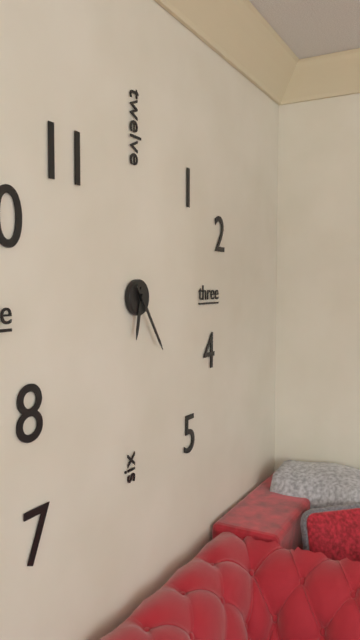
{"hour": 6, "minute": 24}
